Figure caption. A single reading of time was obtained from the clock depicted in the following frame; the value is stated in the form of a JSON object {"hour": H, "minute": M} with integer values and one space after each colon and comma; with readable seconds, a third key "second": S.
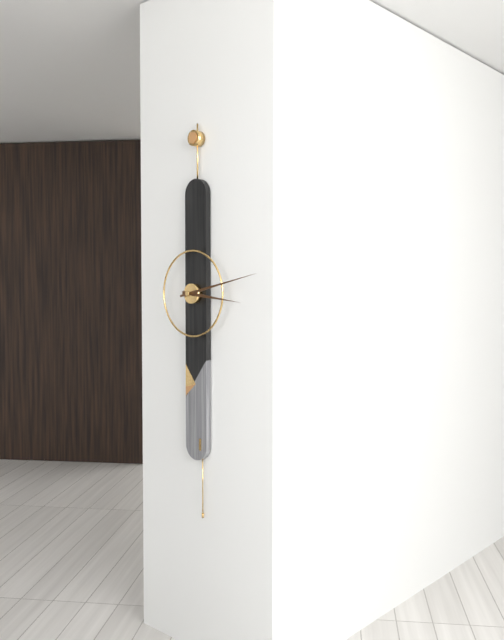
{"hour": 3, "minute": 13}
